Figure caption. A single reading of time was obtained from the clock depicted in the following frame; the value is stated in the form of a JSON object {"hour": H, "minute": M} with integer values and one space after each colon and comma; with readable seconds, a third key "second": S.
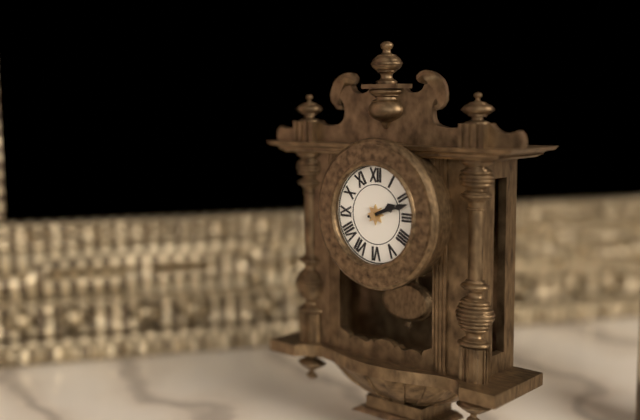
{"hour": 2, "minute": 12}
